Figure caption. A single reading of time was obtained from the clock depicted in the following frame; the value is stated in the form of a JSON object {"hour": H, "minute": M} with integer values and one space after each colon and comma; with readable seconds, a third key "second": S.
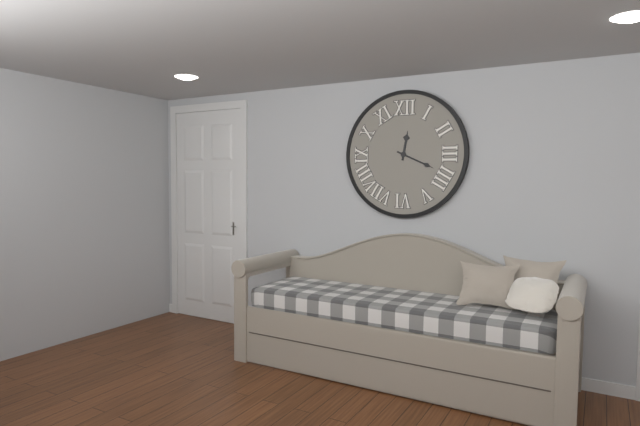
{"hour": 12, "minute": 19}
